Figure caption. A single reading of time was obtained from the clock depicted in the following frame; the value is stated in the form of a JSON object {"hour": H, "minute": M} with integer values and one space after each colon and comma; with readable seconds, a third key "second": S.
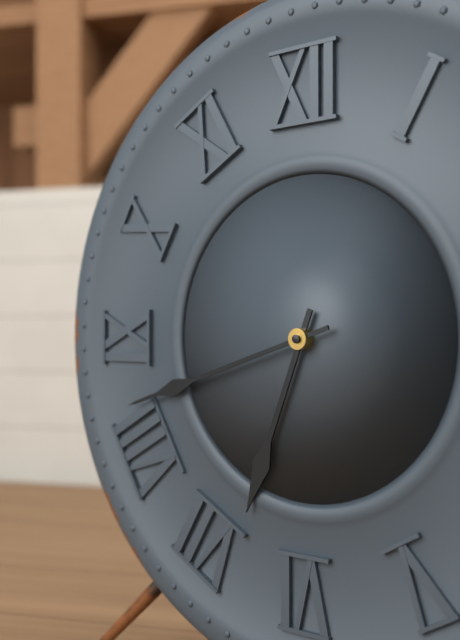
{"hour": 6, "minute": 42}
